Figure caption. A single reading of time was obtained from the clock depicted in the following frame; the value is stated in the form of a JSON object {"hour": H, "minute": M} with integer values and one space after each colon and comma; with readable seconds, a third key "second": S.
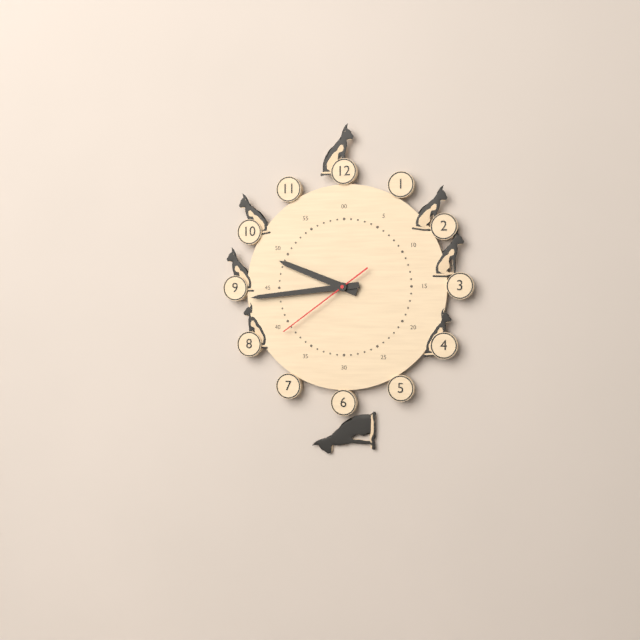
{"hour": 9, "minute": 44, "second": 39}
